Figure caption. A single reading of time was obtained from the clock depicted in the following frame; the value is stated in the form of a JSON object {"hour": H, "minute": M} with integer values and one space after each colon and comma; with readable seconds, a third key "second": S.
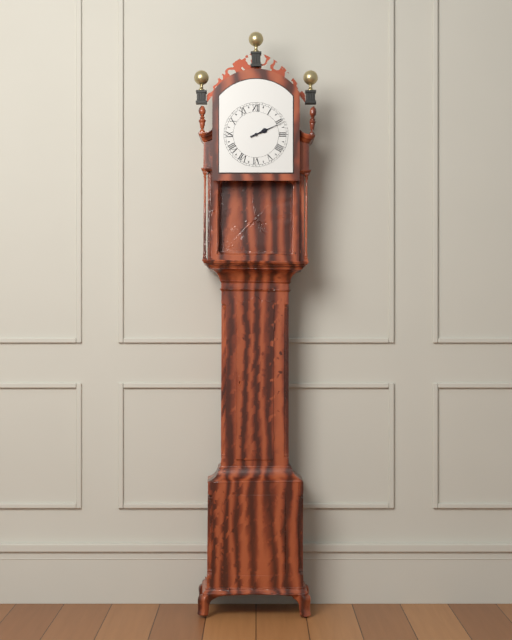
{"hour": 2, "minute": 11}
